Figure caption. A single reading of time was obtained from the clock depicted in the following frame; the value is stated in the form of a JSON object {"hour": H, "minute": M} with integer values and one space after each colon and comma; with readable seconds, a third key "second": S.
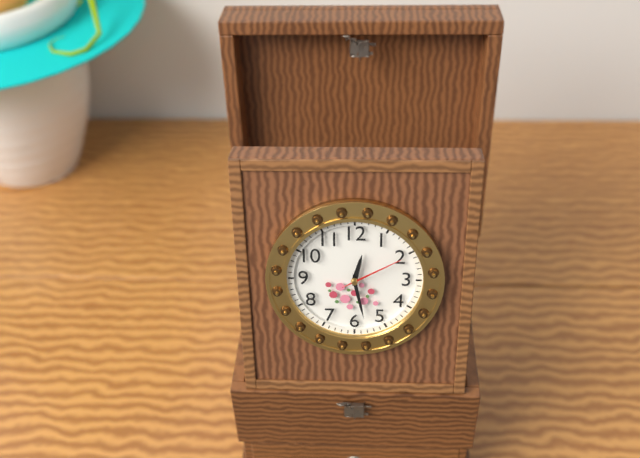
{"hour": 12, "minute": 28, "second": 10}
